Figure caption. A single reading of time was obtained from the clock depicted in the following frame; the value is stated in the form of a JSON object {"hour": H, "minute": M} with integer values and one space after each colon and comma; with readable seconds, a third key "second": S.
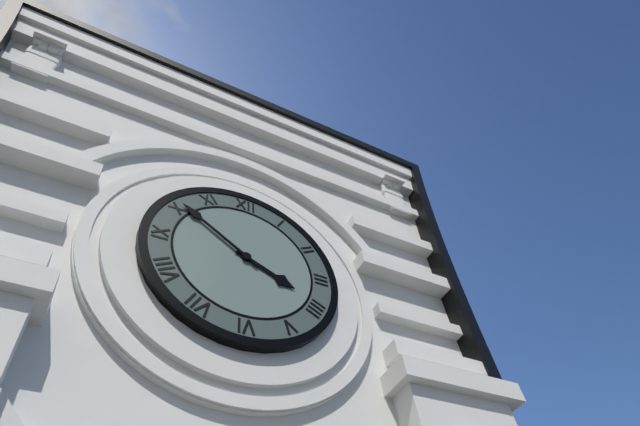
{"hour": 3, "minute": 51}
